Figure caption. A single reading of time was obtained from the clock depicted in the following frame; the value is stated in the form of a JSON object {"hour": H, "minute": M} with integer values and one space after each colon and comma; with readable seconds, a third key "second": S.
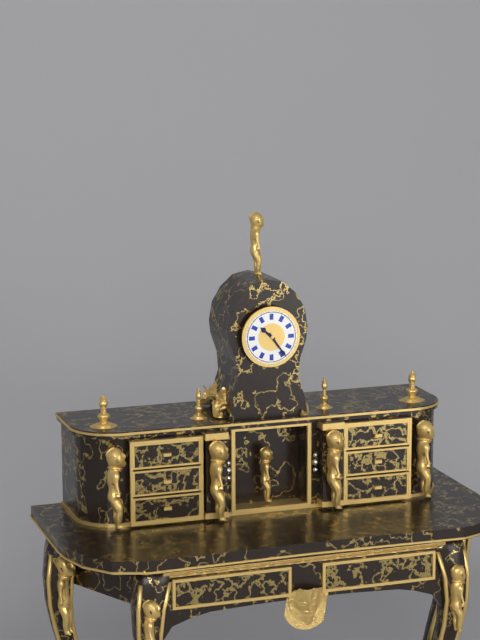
{"hour": 10, "minute": 24}
